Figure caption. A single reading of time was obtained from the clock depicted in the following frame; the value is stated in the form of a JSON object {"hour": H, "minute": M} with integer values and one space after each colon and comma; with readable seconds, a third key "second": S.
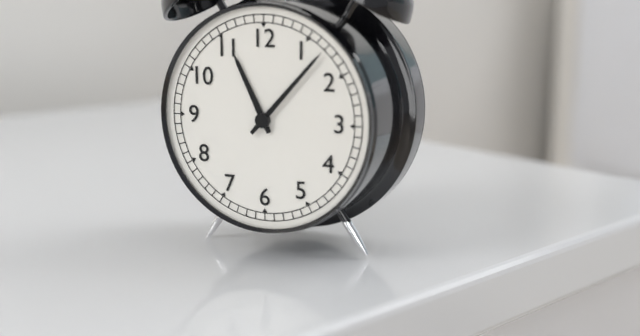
{"hour": 11, "minute": 7}
